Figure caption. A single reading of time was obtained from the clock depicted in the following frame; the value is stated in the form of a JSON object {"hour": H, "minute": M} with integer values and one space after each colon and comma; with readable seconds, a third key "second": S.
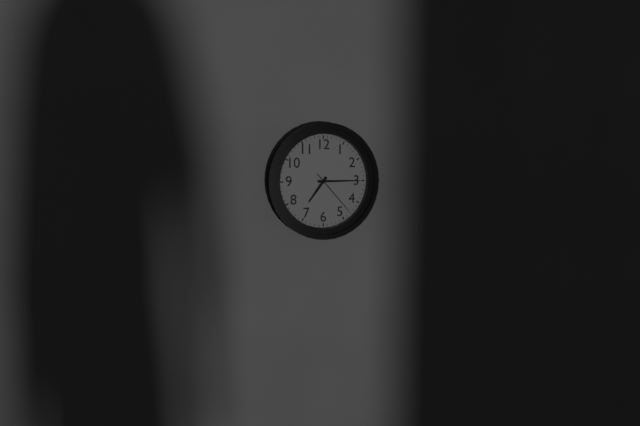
{"hour": 7, "minute": 15, "second": 23}
